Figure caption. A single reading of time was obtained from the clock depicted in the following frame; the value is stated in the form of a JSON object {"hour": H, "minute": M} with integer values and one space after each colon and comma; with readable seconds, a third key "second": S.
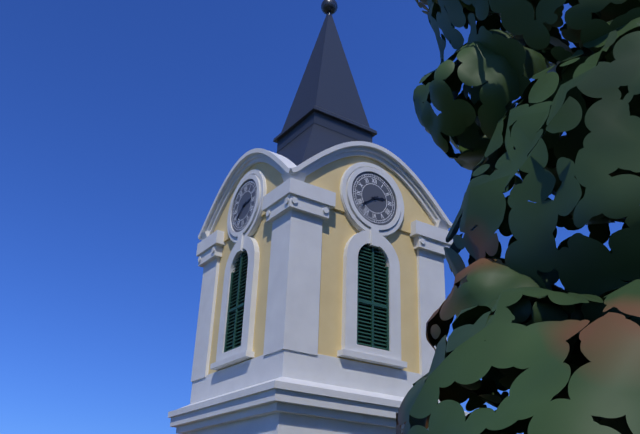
{"hour": 2, "minute": 39}
